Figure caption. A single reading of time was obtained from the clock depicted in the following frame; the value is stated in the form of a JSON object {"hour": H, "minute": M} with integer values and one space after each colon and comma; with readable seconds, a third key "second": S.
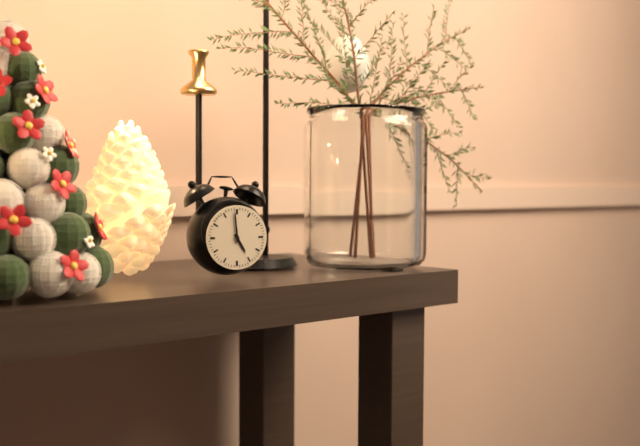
{"hour": 4, "minute": 59}
